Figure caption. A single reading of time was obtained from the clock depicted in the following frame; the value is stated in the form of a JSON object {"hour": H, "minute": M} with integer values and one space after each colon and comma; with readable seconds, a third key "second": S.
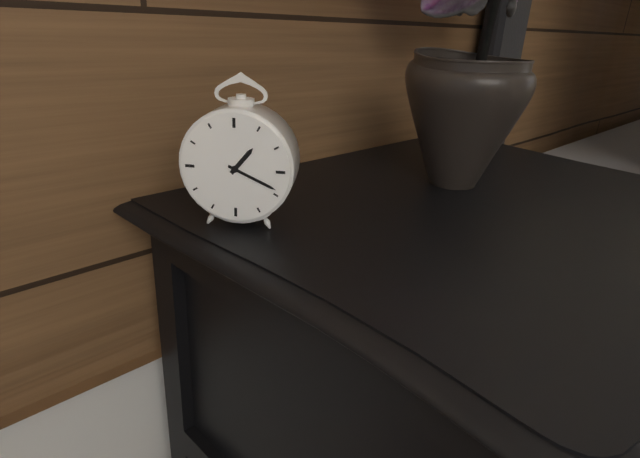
{"hour": 1, "minute": 19}
